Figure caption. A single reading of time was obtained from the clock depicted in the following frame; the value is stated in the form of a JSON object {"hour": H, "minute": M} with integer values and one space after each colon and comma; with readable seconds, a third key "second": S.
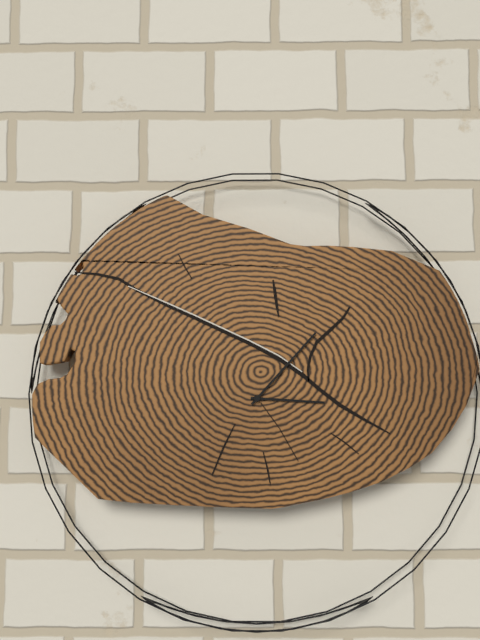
{"hour": 3, "minute": 7}
